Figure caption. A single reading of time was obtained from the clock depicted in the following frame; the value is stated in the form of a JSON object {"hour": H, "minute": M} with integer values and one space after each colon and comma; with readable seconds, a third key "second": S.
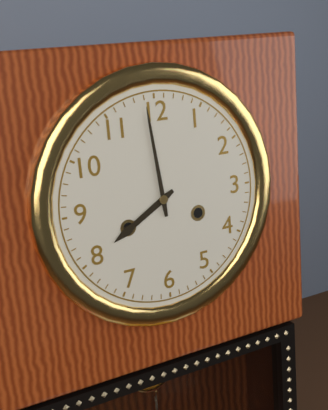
{"hour": 7, "minute": 59}
